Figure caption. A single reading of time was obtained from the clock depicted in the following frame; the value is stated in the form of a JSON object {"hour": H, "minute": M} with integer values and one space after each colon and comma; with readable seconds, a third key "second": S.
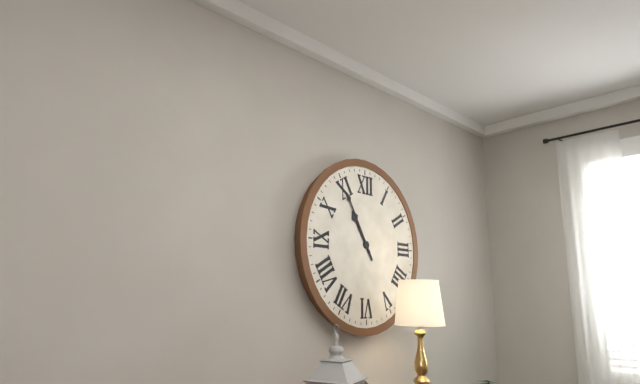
{"hour": 10, "minute": 55}
